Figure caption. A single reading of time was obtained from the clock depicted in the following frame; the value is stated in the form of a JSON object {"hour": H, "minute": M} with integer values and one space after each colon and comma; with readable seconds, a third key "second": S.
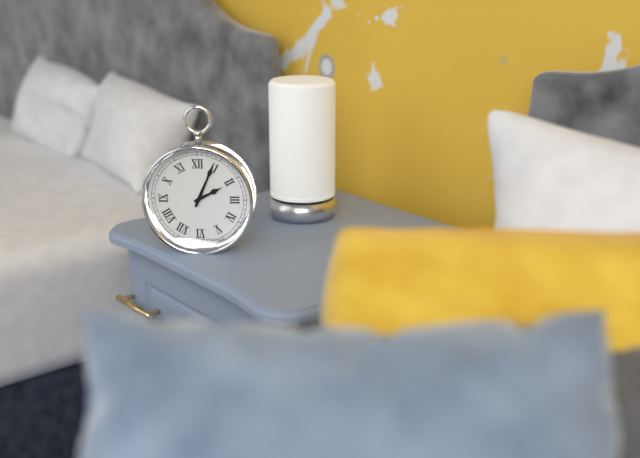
{"hour": 2, "minute": 4}
